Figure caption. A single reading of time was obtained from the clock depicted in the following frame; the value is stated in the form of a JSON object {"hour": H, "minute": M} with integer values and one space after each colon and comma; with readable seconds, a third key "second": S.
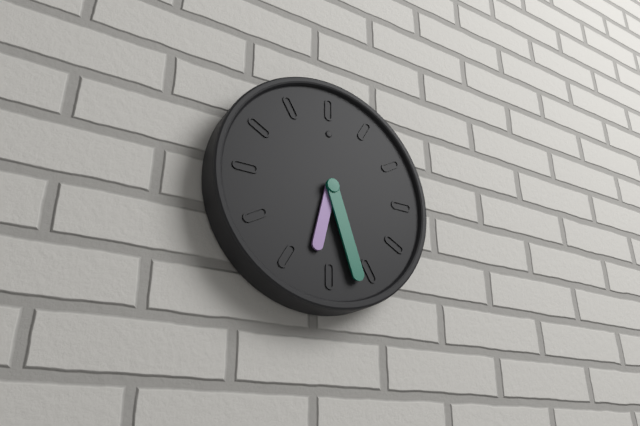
{"hour": 6, "minute": 27}
